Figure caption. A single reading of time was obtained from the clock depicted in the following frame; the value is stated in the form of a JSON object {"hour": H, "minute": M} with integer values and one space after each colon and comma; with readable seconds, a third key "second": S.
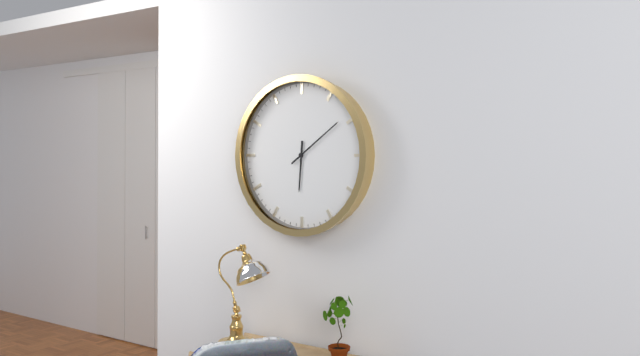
{"hour": 6, "minute": 9}
